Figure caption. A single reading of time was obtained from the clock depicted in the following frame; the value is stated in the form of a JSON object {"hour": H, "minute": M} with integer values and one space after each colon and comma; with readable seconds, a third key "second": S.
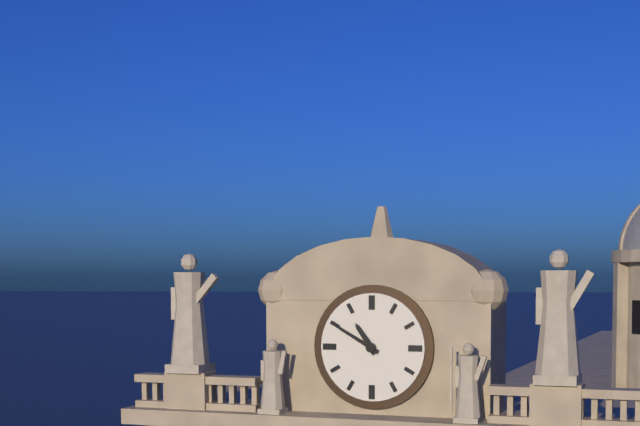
{"hour": 10, "minute": 50}
